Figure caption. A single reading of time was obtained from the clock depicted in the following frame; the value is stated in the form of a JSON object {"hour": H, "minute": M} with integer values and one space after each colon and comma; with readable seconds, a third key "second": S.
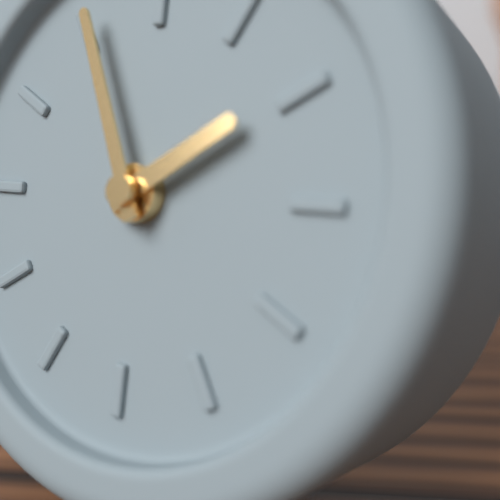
{"hour": 1, "minute": 56}
